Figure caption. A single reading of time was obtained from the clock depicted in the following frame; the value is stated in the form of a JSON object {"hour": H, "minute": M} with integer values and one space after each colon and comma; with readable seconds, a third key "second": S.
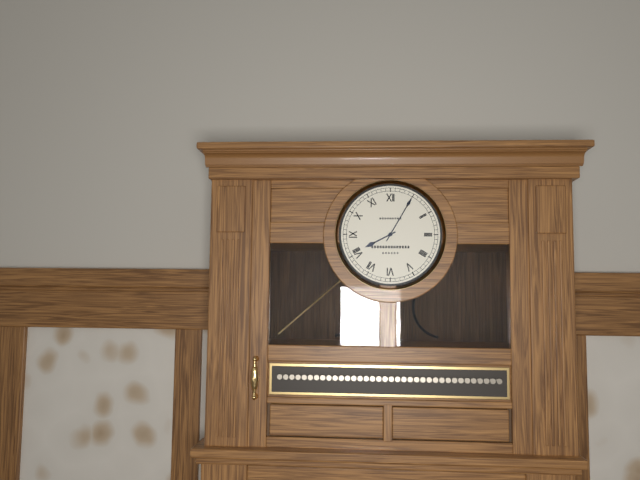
{"hour": 8, "minute": 5}
